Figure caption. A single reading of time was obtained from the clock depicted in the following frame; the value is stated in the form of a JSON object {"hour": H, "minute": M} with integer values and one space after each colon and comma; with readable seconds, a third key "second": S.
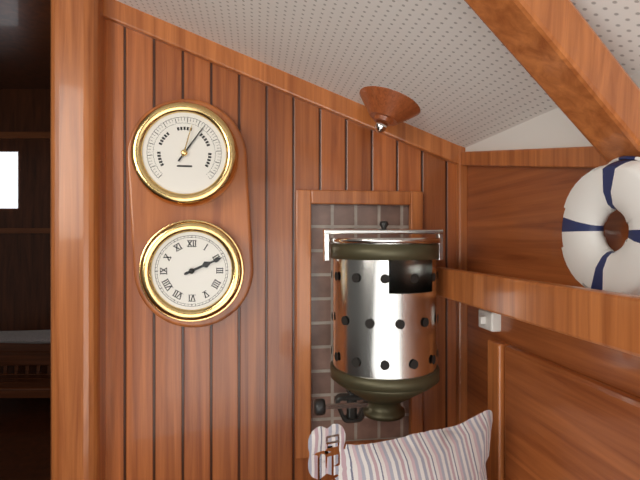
{"hour": 2, "minute": 11}
